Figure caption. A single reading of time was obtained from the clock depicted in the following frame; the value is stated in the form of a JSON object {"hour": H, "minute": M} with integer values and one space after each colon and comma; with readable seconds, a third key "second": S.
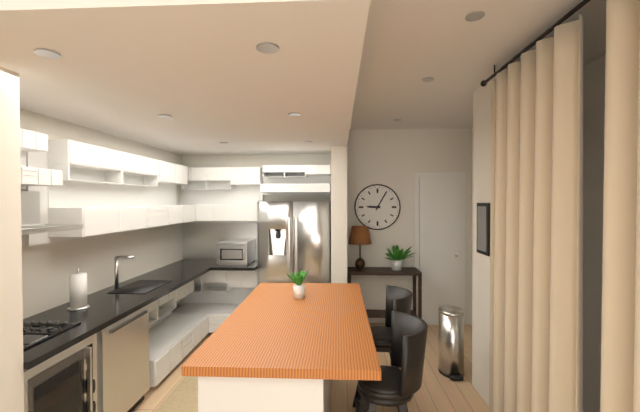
{"hour": 9, "minute": 5}
